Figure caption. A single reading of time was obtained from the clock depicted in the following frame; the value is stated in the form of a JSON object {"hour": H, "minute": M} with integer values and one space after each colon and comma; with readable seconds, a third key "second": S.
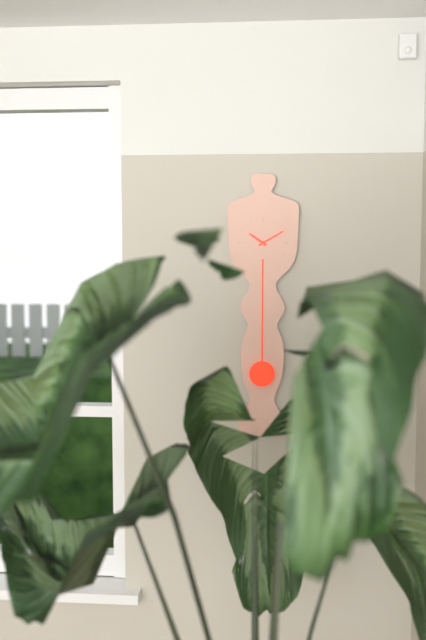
{"hour": 10, "minute": 10}
